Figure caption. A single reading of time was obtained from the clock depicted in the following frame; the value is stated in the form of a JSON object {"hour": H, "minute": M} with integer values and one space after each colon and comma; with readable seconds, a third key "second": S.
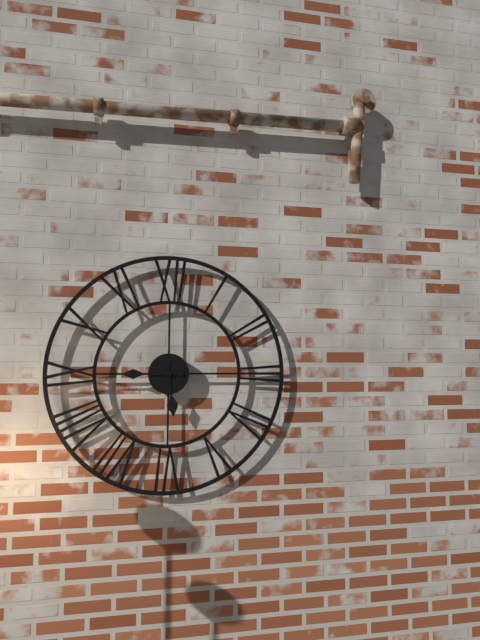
{"hour": 5, "minute": 45}
